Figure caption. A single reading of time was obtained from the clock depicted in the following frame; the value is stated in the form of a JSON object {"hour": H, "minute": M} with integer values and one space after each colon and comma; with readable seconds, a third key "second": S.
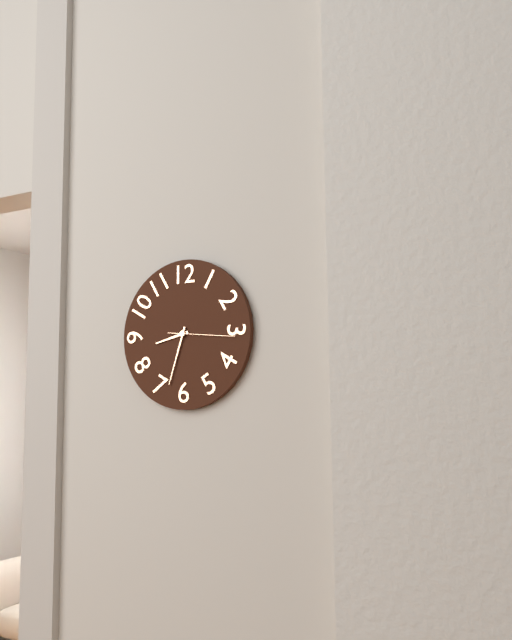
{"hour": 8, "minute": 33, "second": 16}
